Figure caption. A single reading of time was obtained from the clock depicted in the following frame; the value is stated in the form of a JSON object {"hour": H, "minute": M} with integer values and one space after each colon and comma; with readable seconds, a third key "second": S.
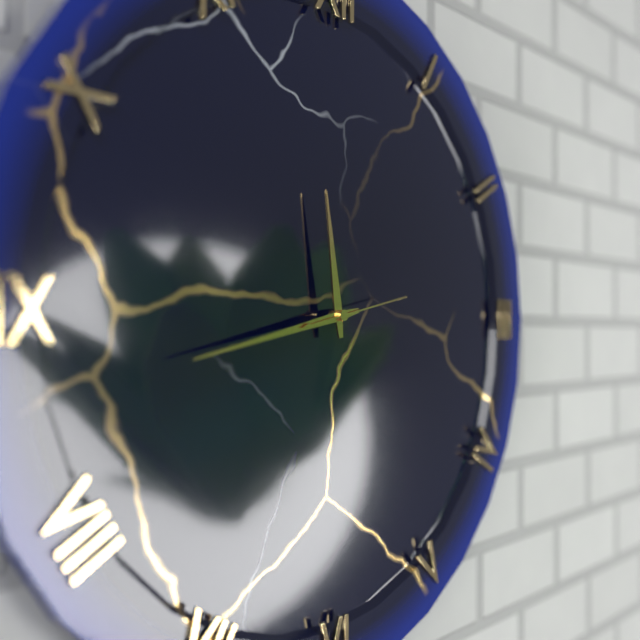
{"hour": 11, "minute": 43, "second": 13}
